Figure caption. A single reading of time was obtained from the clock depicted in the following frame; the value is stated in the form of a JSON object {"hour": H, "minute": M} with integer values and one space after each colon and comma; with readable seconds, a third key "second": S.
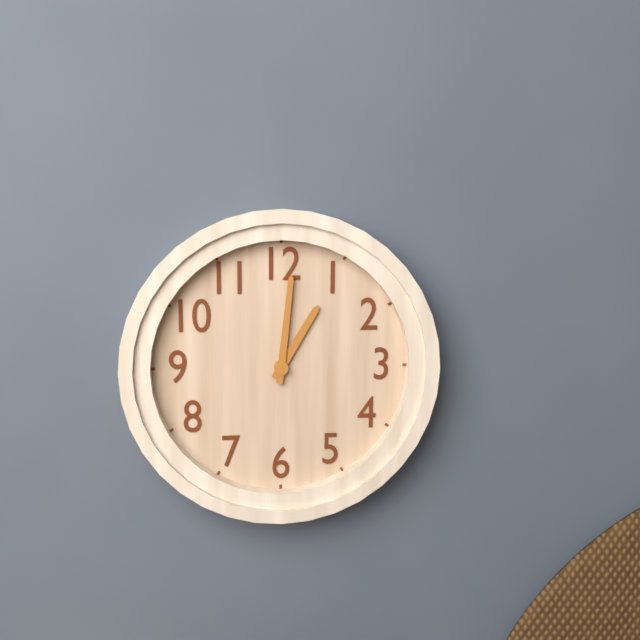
{"hour": 1, "minute": 1}
